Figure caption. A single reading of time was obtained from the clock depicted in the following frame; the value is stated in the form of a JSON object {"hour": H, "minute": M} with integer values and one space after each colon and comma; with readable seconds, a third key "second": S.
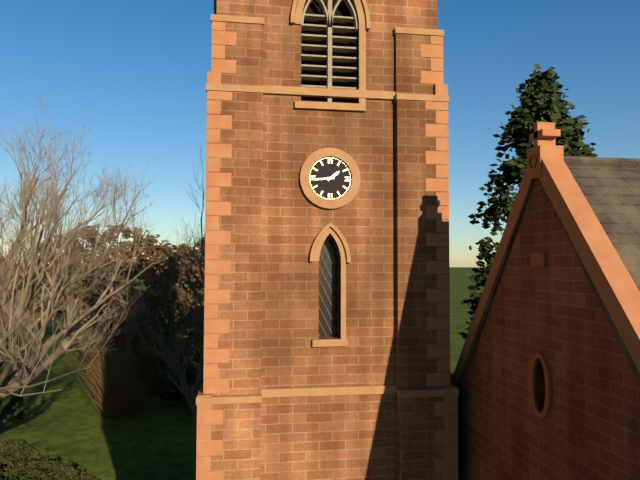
{"hour": 1, "minute": 44}
